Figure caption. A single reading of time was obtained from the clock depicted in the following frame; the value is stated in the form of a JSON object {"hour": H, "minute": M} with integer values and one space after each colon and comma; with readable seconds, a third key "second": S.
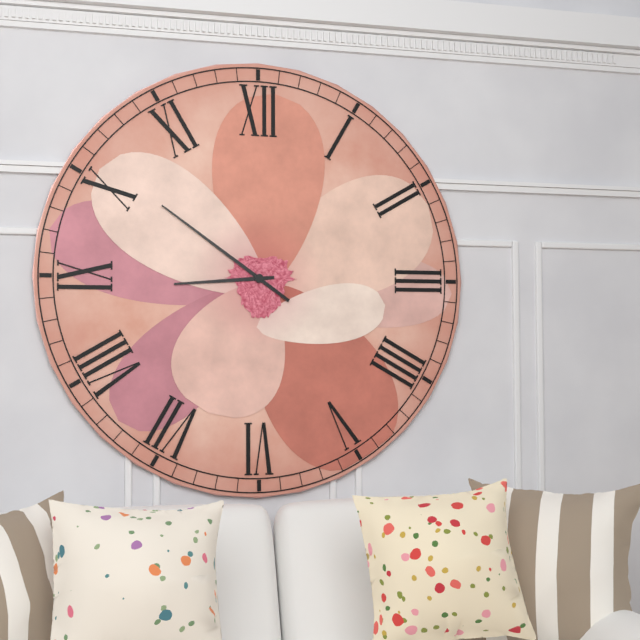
{"hour": 8, "minute": 51}
